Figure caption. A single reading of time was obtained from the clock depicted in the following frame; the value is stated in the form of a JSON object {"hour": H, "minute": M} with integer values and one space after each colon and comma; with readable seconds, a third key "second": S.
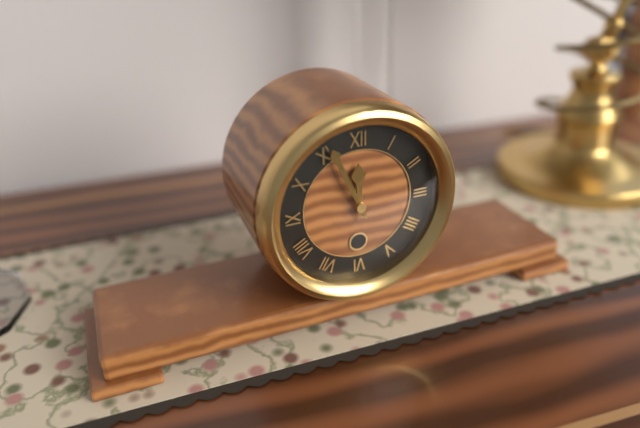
{"hour": 11, "minute": 56}
